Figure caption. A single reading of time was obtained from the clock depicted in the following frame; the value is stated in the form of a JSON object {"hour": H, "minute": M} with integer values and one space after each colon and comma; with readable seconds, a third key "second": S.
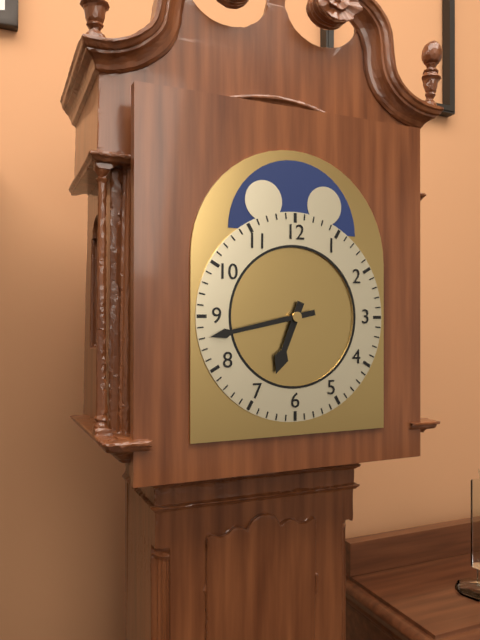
{"hour": 6, "minute": 43}
